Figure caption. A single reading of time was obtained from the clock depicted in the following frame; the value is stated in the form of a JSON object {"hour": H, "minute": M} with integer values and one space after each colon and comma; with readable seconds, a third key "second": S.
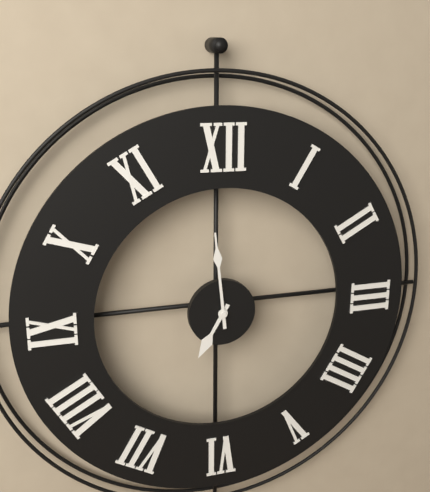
{"hour": 6, "minute": 59}
